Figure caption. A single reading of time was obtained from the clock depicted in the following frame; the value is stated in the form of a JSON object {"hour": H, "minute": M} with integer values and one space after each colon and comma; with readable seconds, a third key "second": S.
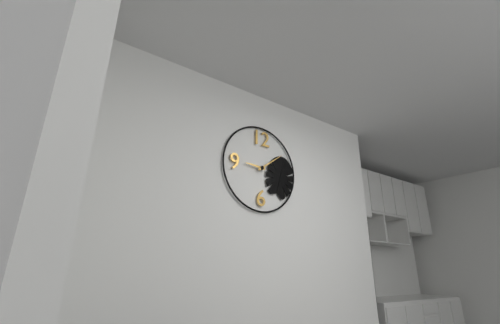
{"hour": 9, "minute": 9}
